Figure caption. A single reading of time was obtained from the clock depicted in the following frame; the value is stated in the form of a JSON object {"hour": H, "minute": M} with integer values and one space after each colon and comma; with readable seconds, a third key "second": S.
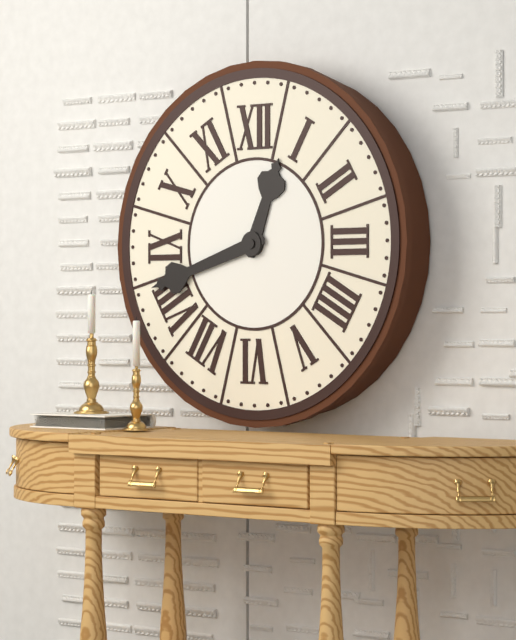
{"hour": 12, "minute": 42}
